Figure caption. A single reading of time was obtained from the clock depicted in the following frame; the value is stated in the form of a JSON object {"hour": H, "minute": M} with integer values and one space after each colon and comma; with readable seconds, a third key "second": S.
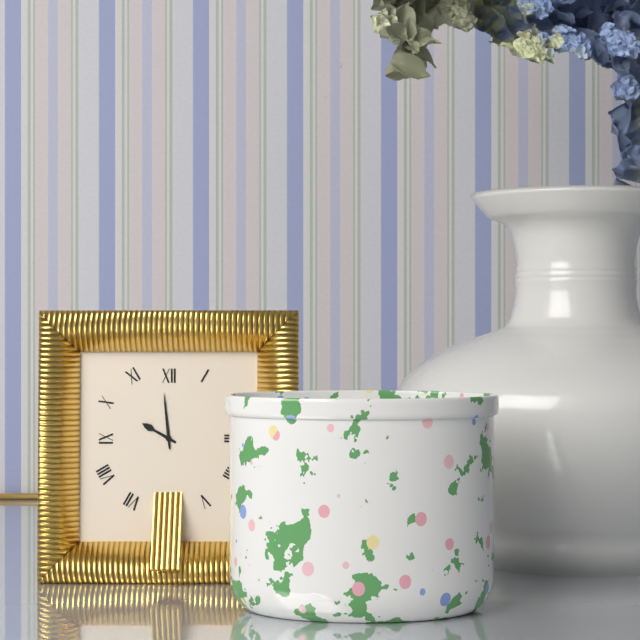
{"hour": 9, "minute": 59}
